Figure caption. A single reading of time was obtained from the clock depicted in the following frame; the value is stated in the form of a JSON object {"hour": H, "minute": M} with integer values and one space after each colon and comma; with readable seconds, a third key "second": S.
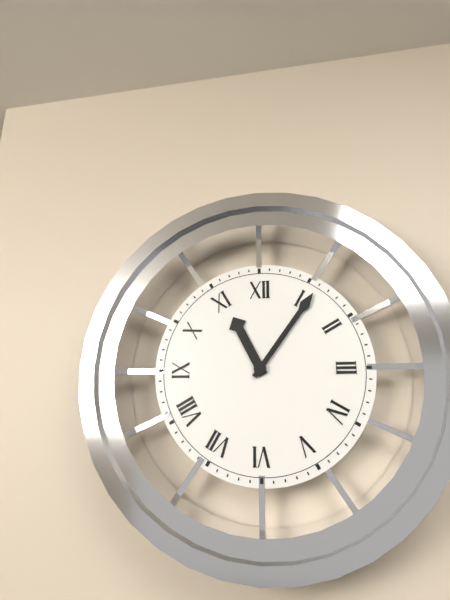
{"hour": 11, "minute": 6}
